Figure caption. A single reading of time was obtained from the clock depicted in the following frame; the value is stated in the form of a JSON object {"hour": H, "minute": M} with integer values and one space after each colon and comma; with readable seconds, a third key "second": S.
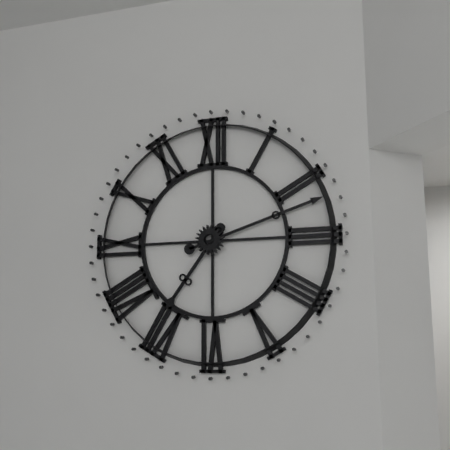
{"hour": 7, "minute": 12}
